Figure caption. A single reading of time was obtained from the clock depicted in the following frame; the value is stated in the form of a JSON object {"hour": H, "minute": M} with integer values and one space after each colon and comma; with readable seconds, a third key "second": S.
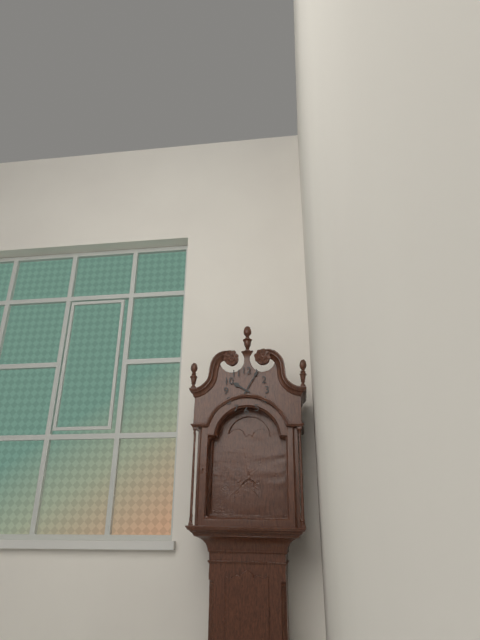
{"hour": 10, "minute": 5}
